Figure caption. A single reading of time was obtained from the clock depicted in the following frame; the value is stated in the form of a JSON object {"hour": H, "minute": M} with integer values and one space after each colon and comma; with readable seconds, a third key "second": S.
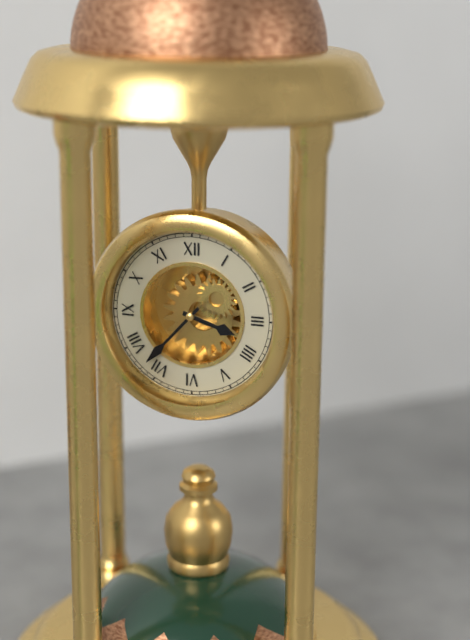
{"hour": 3, "minute": 37}
